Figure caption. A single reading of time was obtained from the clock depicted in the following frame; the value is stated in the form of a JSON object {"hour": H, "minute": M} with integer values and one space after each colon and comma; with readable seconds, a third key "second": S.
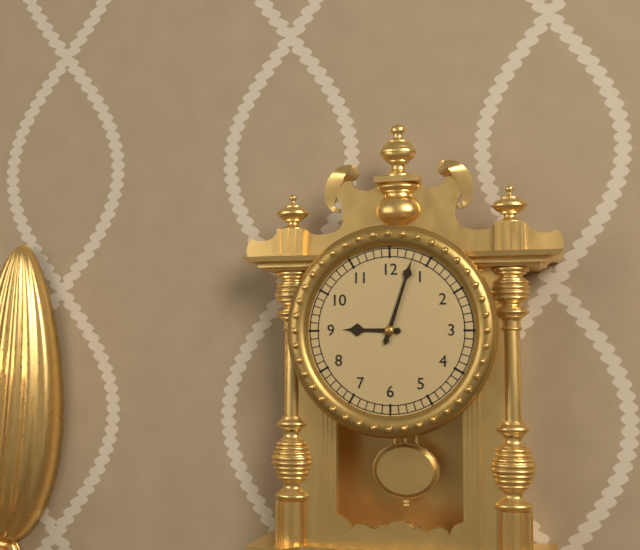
{"hour": 9, "minute": 3}
